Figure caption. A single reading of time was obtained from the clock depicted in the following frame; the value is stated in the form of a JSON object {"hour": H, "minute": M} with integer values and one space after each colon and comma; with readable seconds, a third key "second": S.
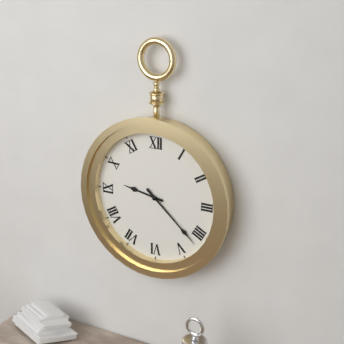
{"hour": 9, "minute": 22}
